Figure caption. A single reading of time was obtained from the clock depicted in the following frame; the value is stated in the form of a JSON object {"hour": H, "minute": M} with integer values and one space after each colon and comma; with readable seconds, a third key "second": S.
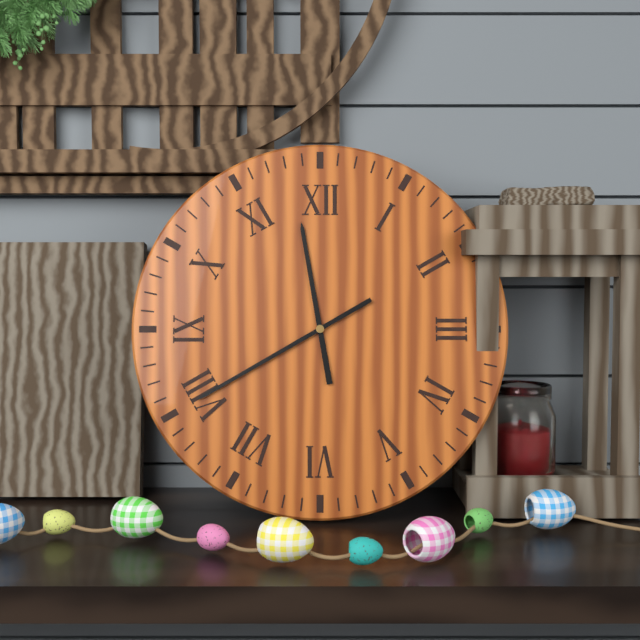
{"hour": 11, "minute": 40}
